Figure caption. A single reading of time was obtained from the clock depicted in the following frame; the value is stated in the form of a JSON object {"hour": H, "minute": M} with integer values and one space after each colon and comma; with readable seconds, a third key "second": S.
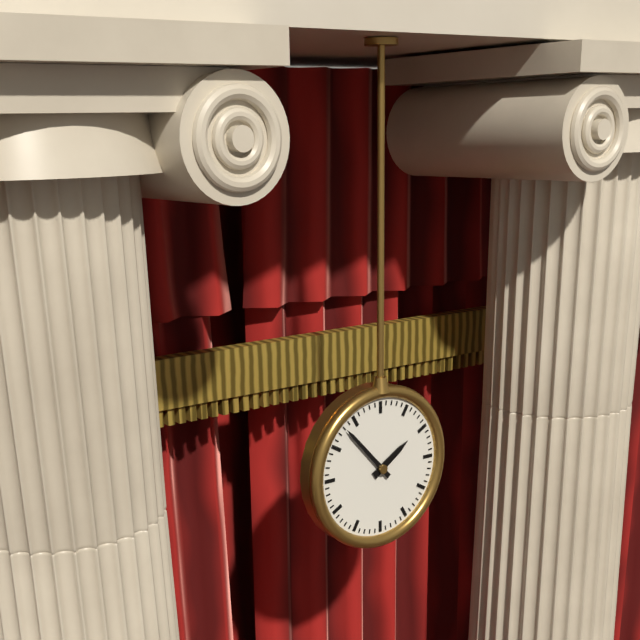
{"hour": 1, "minute": 53}
